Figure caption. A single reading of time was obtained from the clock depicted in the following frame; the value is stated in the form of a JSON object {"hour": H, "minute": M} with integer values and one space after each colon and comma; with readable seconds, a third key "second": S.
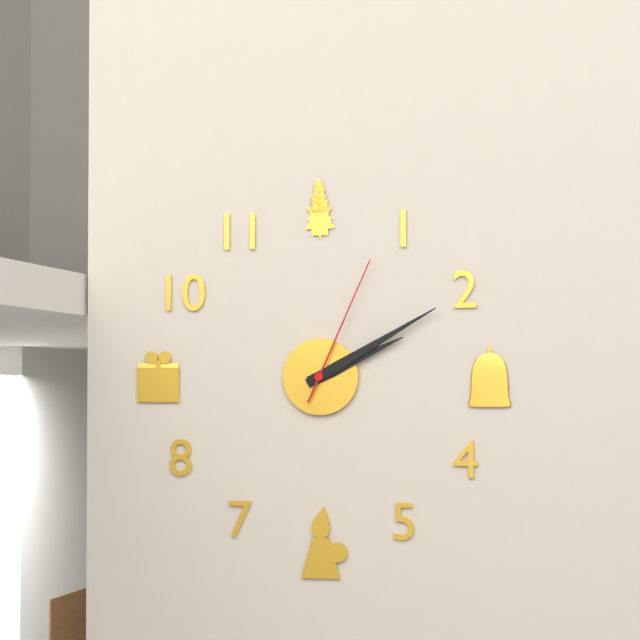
{"hour": 2, "minute": 10, "second": 4}
